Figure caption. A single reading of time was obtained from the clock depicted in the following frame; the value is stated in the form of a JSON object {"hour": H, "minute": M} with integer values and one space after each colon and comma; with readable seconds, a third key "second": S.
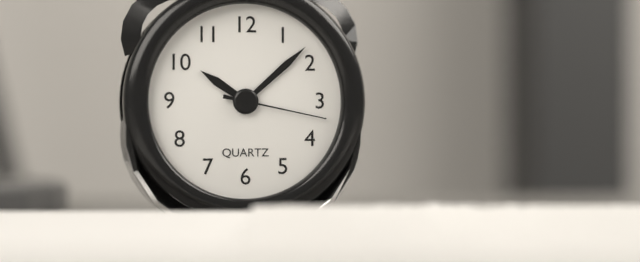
{"hour": 10, "minute": 8, "second": 17}
